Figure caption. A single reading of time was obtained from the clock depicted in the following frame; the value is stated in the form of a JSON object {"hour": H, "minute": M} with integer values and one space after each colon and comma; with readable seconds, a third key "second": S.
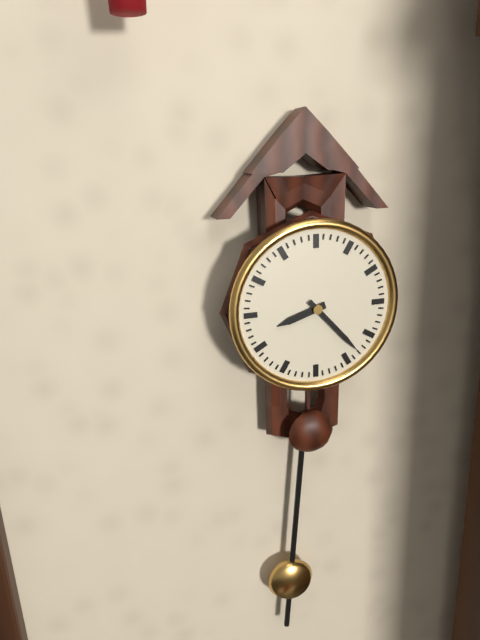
{"hour": 8, "minute": 23}
